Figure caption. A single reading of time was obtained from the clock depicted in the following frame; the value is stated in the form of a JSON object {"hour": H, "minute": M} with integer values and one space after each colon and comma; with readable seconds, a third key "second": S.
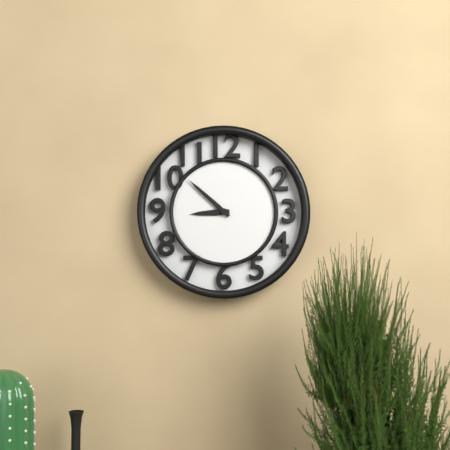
{"hour": 8, "minute": 52}
